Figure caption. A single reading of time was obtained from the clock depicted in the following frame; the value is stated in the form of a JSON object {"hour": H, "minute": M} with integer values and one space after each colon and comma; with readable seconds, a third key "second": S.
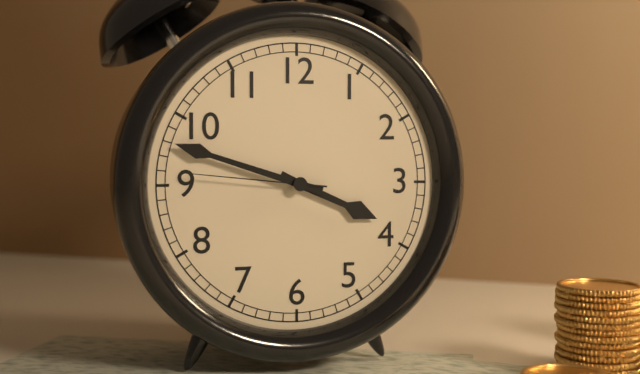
{"hour": 3, "minute": 48, "second": 46}
